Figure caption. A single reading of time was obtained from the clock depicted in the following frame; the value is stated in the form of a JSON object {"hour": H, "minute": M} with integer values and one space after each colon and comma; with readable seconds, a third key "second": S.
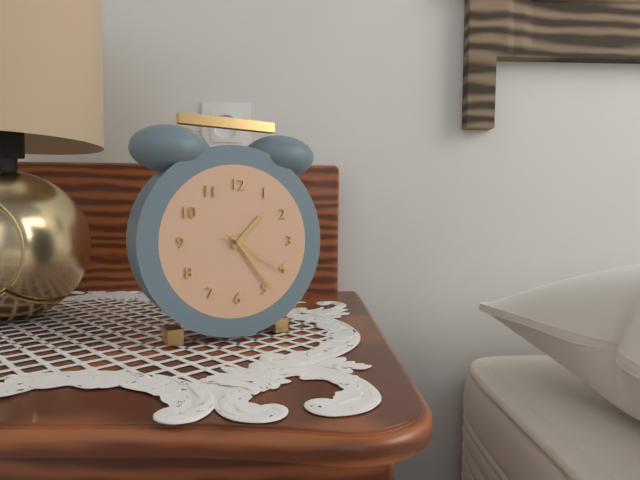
{"hour": 1, "minute": 24, "second": 20}
